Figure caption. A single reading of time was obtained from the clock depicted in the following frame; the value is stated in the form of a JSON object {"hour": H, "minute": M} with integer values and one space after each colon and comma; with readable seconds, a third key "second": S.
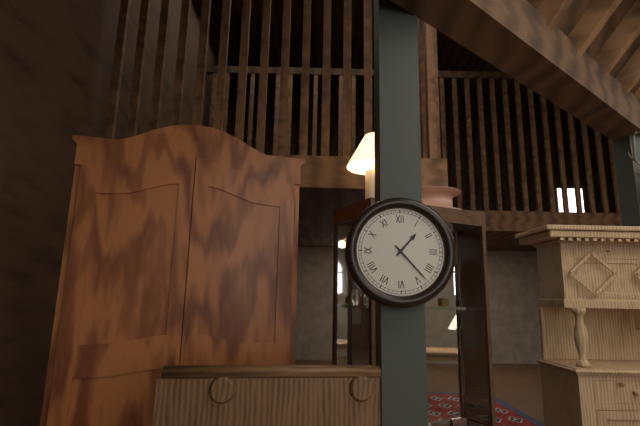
{"hour": 1, "minute": 23}
